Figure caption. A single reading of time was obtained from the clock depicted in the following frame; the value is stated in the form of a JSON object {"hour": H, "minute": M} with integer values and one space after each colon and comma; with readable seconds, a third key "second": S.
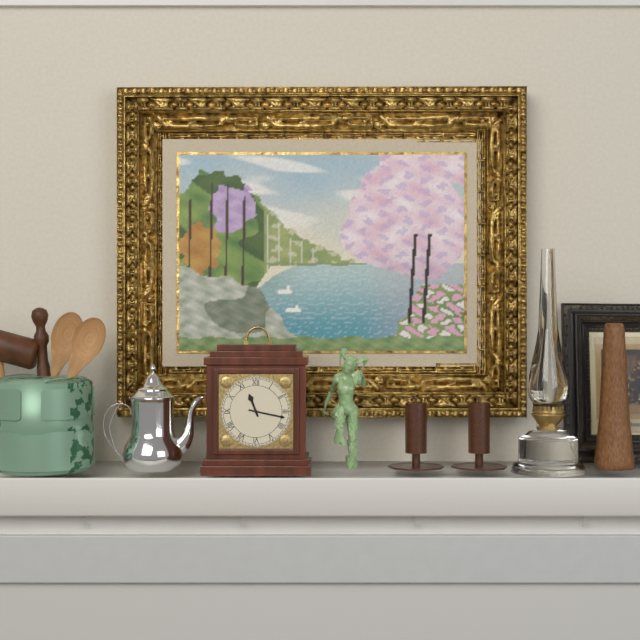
{"hour": 11, "minute": 17}
